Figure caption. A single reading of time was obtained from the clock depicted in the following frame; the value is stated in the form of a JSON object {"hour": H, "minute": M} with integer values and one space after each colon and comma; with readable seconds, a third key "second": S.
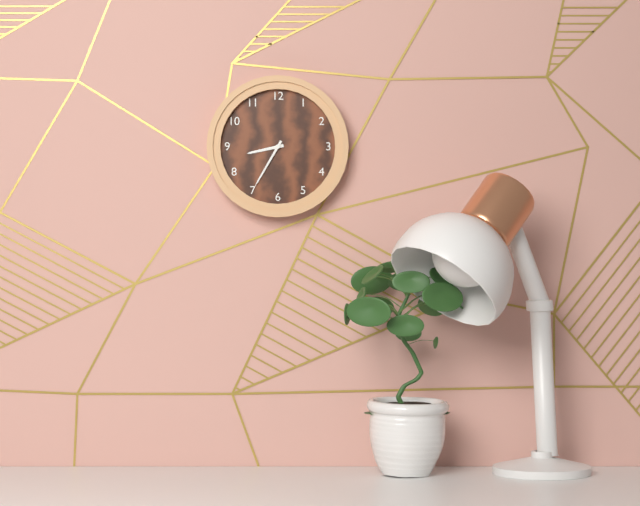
{"hour": 8, "minute": 35}
